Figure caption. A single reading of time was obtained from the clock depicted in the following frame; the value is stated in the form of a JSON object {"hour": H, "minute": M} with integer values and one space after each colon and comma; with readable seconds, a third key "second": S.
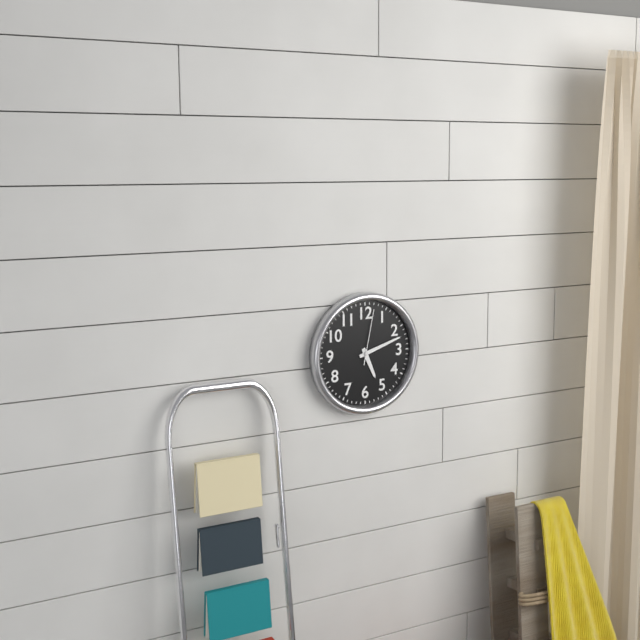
{"hour": 5, "minute": 12, "second": 2}
